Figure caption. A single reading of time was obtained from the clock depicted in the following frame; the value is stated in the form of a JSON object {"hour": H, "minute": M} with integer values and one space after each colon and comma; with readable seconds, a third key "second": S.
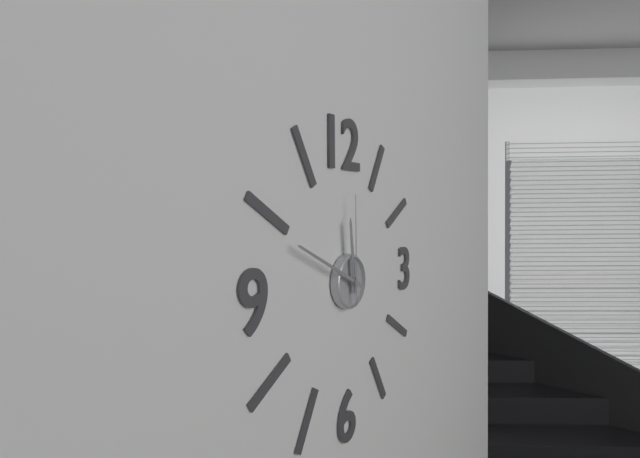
{"hour": 11, "minute": 49, "second": 0}
